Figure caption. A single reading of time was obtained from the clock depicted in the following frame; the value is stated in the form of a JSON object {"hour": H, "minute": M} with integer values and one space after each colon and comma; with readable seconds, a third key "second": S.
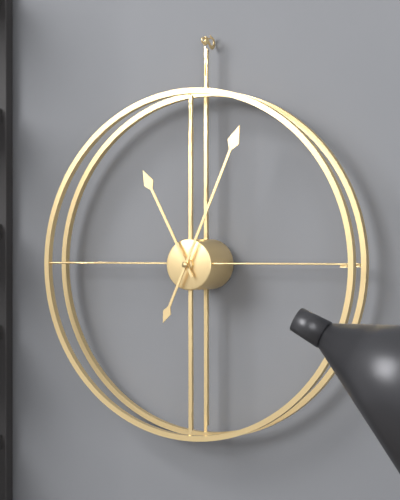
{"hour": 11, "minute": 4}
